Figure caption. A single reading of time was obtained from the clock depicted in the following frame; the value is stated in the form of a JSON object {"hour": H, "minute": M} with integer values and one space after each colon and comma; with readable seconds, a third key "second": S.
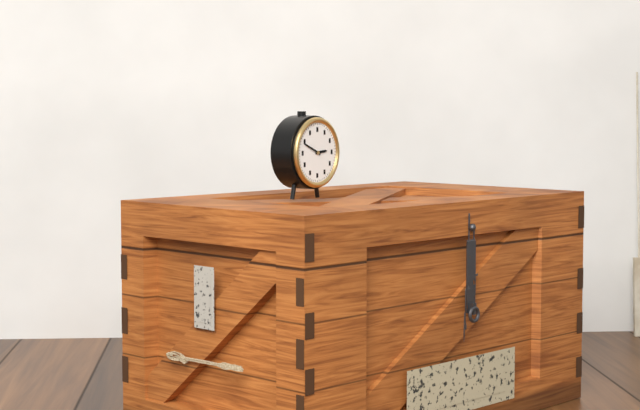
{"hour": 2, "minute": 49}
